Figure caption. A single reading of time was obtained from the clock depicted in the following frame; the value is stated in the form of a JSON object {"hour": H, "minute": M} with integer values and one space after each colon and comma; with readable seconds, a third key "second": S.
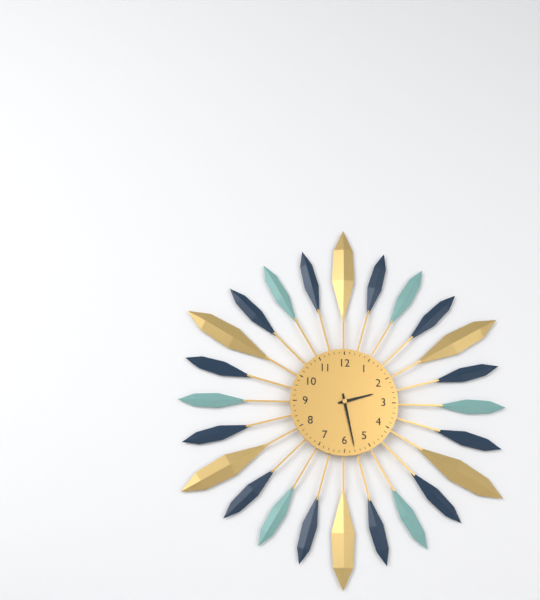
{"hour": 2, "minute": 28}
